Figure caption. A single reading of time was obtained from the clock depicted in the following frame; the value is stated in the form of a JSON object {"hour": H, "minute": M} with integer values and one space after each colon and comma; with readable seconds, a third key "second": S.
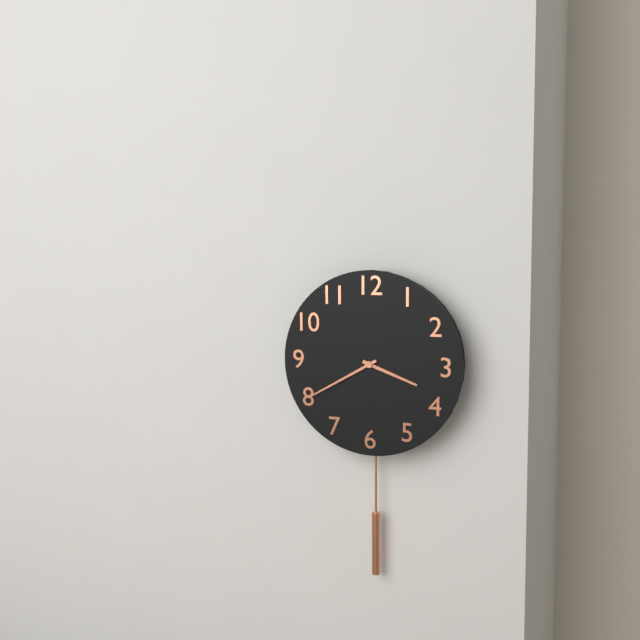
{"hour": 3, "minute": 40}
